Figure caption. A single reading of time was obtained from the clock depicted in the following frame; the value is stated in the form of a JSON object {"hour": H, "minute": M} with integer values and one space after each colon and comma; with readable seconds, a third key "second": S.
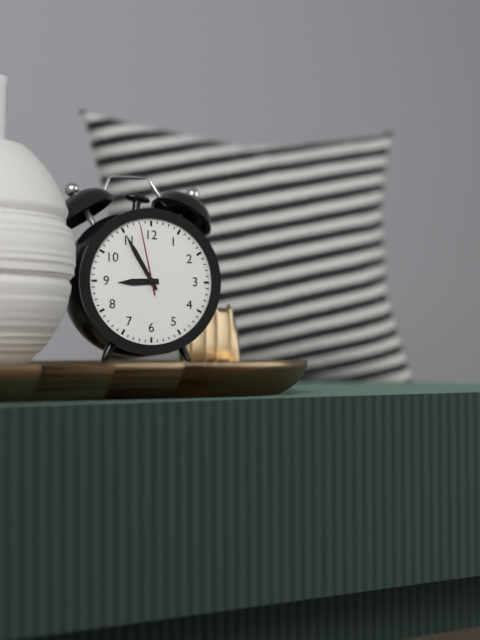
{"hour": 8, "minute": 55, "second": 58}
